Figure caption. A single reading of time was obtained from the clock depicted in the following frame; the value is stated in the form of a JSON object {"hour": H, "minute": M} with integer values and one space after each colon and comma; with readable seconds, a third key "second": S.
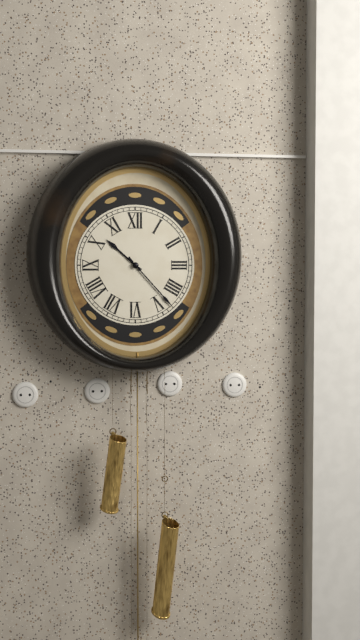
{"hour": 10, "minute": 23}
